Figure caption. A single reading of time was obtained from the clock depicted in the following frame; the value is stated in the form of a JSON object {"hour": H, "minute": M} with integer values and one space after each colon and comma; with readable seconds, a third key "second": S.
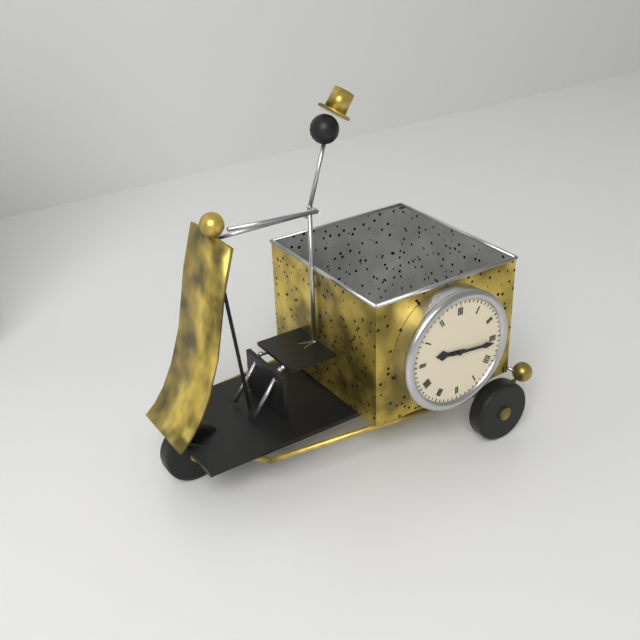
{"hour": 9, "minute": 16}
